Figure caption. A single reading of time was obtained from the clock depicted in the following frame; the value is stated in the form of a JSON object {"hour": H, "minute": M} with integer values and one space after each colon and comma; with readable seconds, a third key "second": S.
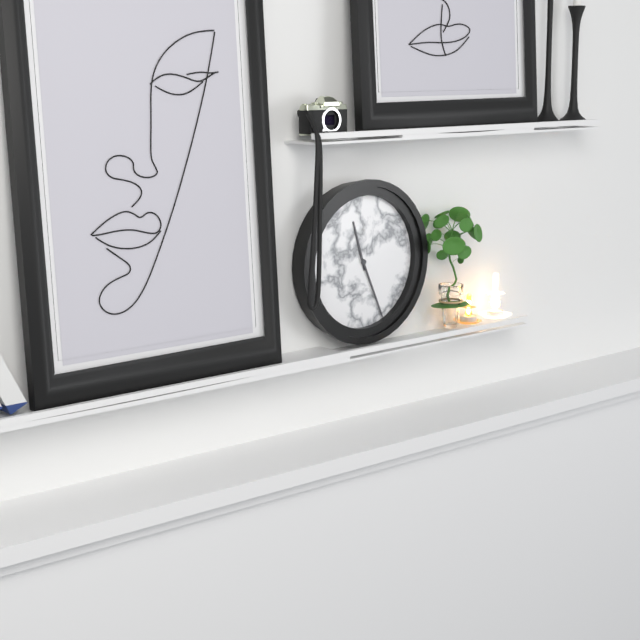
{"hour": 11, "minute": 26}
